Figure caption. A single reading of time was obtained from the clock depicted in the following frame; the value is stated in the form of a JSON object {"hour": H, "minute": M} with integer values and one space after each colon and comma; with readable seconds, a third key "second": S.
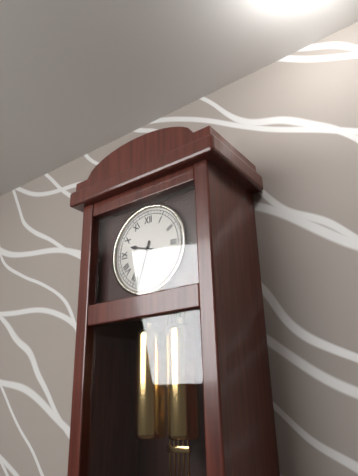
{"hour": 9, "minute": 33}
